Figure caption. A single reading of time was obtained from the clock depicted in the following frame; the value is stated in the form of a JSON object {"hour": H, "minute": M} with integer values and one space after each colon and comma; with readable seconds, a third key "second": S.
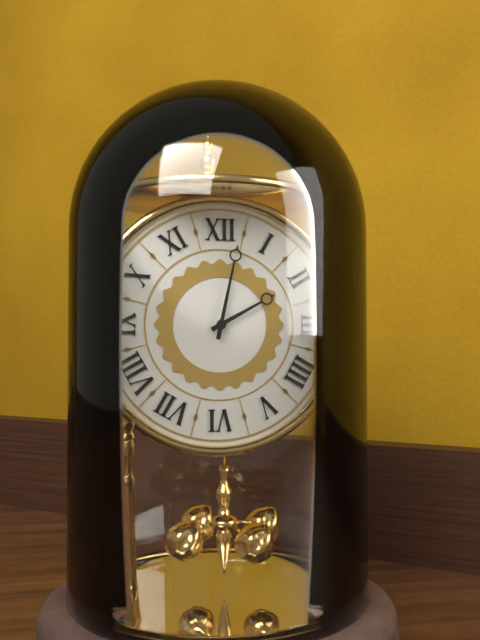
{"hour": 2, "minute": 2}
